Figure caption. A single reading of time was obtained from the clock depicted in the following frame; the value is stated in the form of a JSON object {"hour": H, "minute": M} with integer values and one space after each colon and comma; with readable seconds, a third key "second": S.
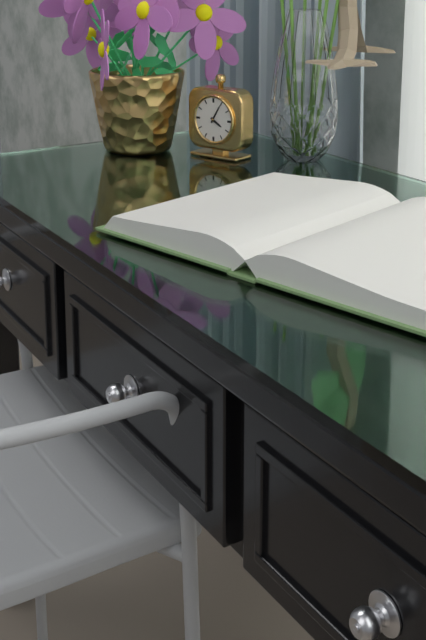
{"hour": 4, "minute": 5}
